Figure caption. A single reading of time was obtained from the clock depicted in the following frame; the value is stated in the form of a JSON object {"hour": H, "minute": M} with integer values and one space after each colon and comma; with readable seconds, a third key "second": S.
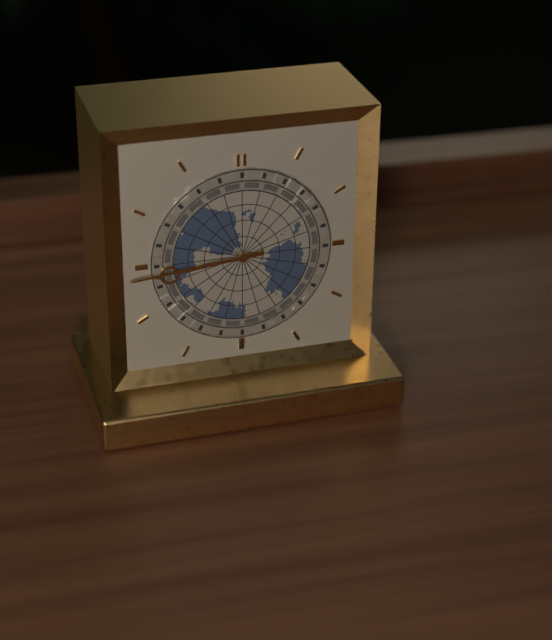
{"hour": 8, "minute": 44}
